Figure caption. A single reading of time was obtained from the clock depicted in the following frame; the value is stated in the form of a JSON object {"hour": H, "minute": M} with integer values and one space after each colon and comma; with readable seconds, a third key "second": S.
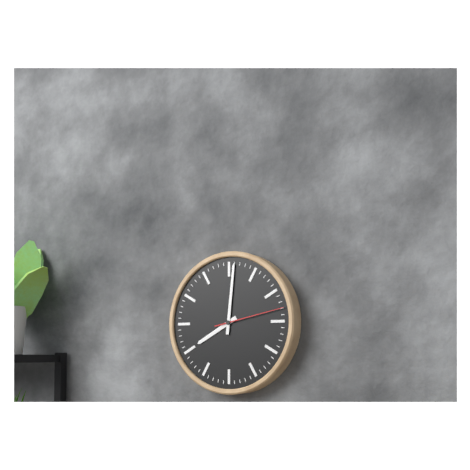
{"hour": 8, "minute": 1, "second": 13}
